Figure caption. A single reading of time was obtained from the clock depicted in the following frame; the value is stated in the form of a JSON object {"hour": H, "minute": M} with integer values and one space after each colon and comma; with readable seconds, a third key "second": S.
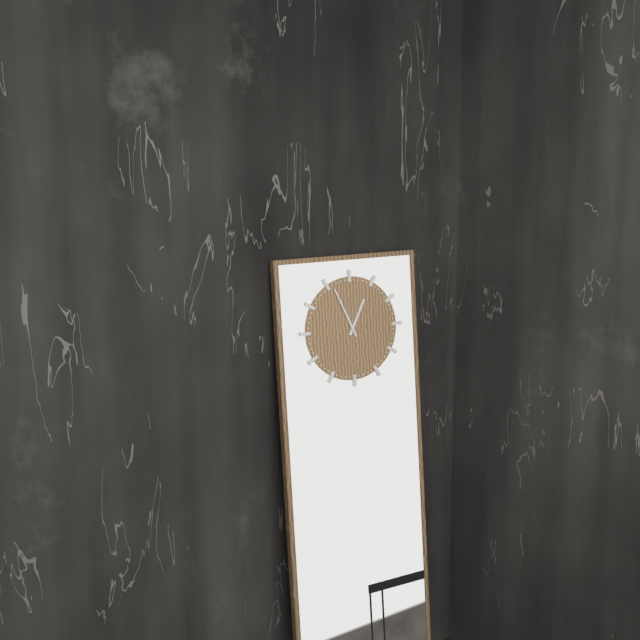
{"hour": 12, "minute": 56}
